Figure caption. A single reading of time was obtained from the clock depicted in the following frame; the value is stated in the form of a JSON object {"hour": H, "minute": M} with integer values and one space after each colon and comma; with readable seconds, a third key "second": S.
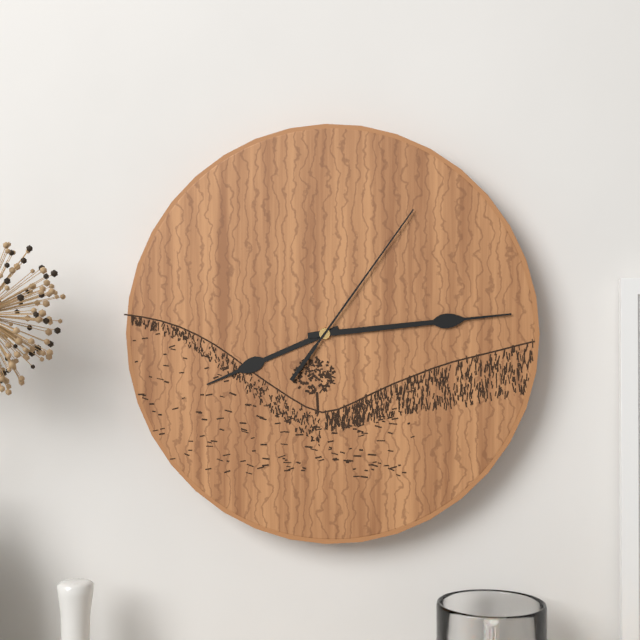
{"hour": 8, "minute": 14, "second": 6}
